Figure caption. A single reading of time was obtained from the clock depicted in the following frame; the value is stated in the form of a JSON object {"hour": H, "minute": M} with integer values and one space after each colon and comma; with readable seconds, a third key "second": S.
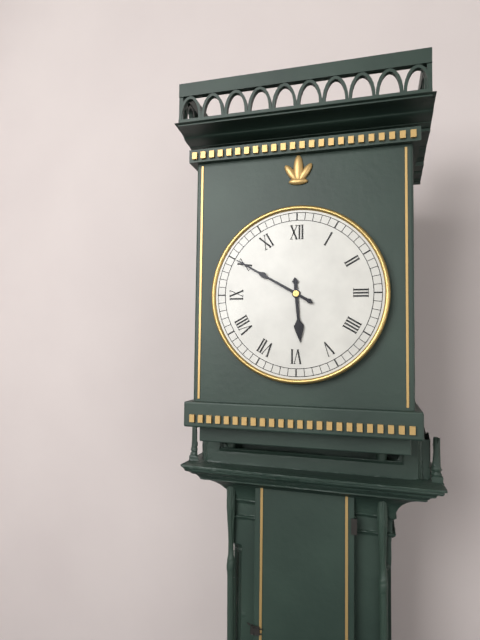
{"hour": 5, "minute": 50}
